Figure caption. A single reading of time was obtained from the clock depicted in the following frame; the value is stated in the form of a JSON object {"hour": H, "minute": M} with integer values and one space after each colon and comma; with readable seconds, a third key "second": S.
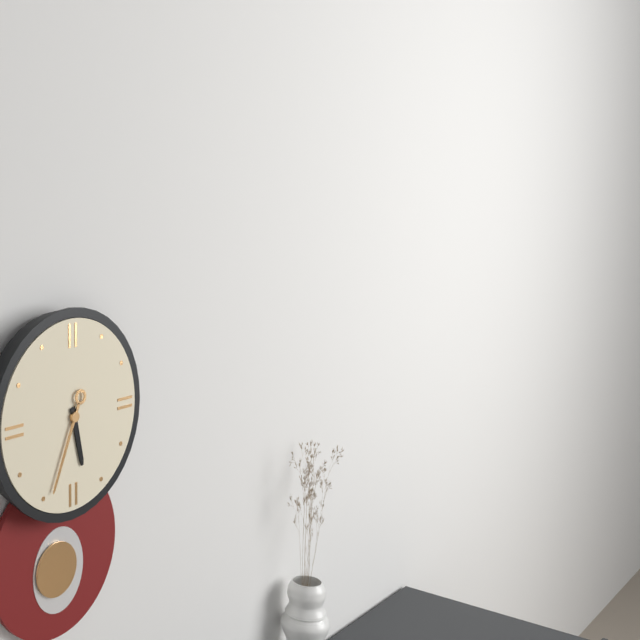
{"hour": 5, "minute": 34}
